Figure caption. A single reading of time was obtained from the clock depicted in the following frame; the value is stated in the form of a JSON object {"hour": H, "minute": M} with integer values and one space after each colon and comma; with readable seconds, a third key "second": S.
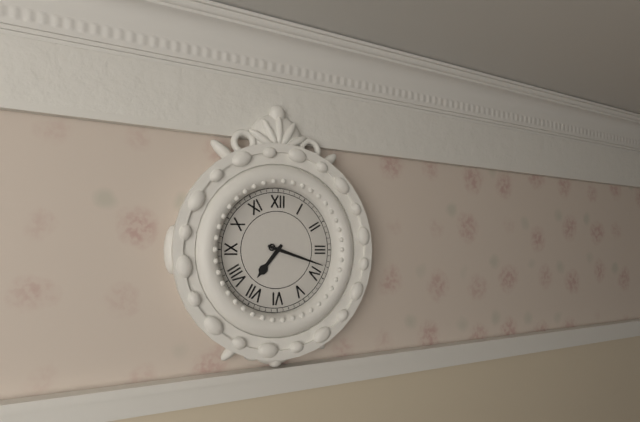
{"hour": 7, "minute": 18}
